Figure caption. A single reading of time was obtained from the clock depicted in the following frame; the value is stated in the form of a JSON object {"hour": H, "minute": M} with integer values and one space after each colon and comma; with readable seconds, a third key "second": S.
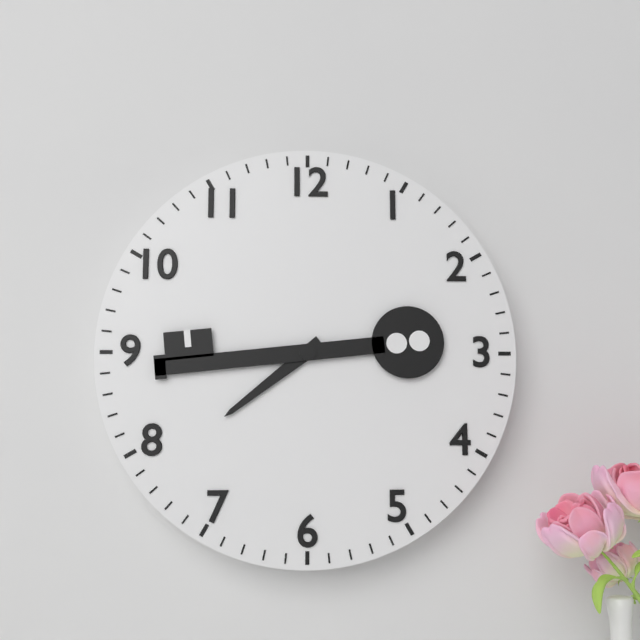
{"hour": 7, "minute": 44}
